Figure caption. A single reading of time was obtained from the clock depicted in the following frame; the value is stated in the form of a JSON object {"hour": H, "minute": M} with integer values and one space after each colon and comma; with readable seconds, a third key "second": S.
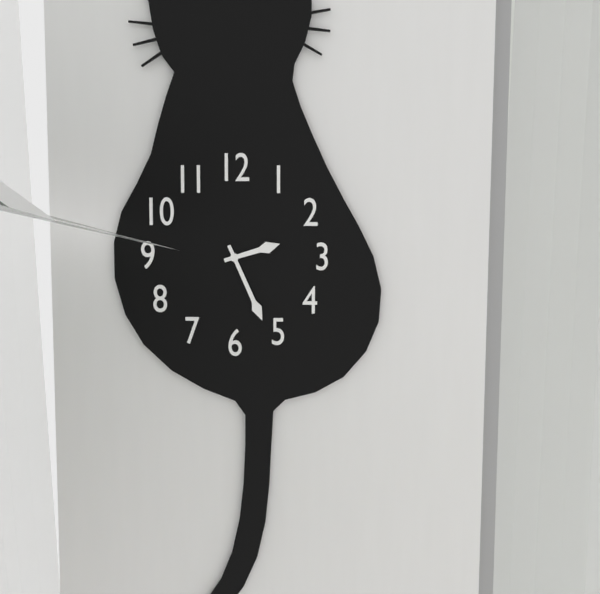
{"hour": 2, "minute": 26}
